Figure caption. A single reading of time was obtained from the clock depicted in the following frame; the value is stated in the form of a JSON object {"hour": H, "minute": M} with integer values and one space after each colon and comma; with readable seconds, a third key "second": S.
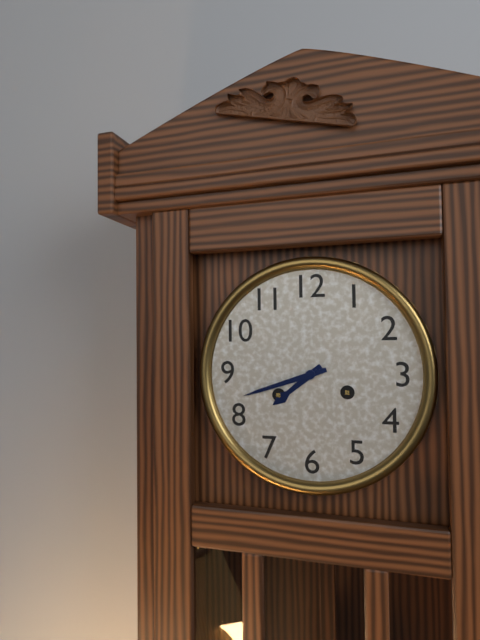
{"hour": 7, "minute": 42}
